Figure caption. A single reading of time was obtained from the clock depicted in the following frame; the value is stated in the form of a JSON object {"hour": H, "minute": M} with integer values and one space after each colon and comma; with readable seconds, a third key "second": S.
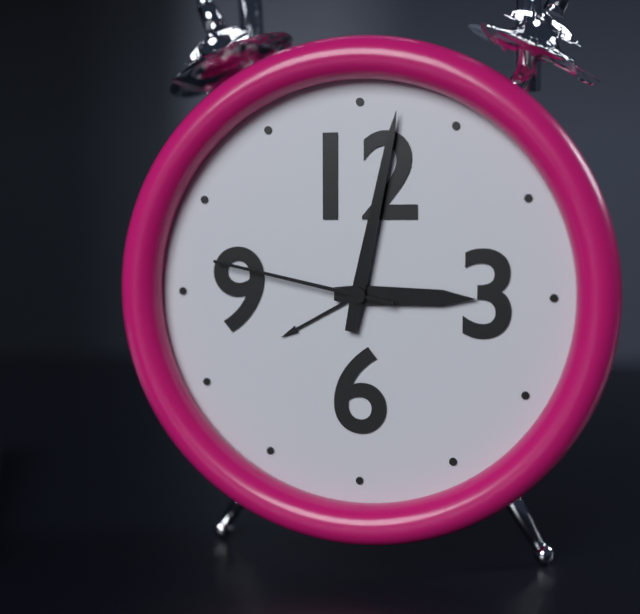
{"hour": 3, "minute": 2, "second": 47}
